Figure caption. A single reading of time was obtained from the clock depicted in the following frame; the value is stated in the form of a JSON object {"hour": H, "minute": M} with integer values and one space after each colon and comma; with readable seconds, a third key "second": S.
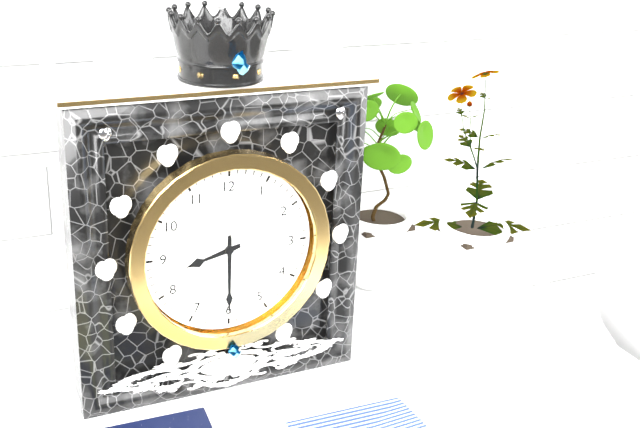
{"hour": 8, "minute": 30}
